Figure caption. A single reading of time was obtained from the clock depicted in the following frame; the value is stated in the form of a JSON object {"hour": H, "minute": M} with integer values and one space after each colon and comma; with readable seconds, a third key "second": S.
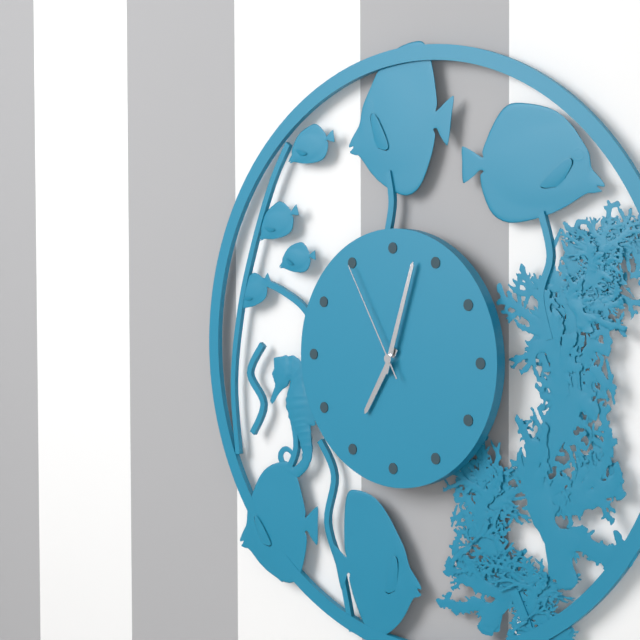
{"hour": 7, "minute": 3, "second": 55}
